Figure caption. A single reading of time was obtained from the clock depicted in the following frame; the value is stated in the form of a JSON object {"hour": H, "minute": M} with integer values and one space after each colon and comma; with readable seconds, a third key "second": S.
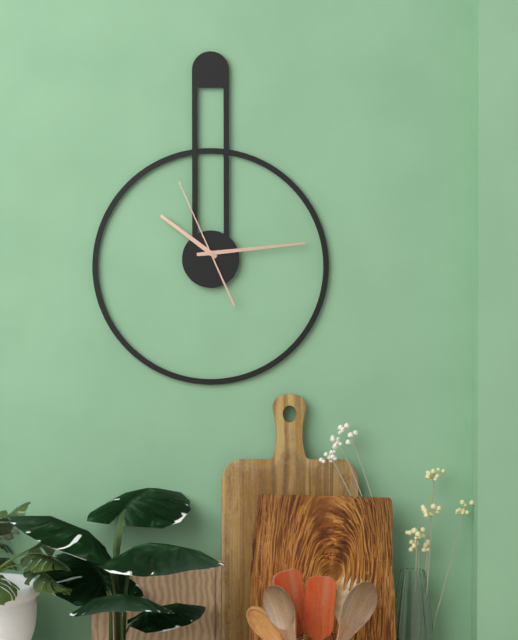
{"hour": 10, "minute": 14, "second": 56}
